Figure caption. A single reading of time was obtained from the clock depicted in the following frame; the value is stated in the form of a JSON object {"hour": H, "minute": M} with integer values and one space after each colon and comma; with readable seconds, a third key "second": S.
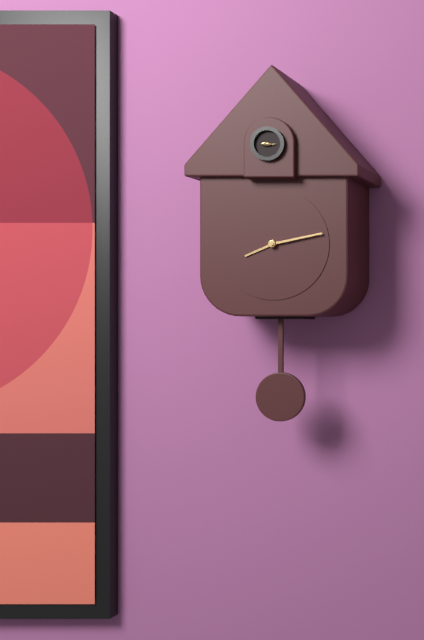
{"hour": 8, "minute": 13}
